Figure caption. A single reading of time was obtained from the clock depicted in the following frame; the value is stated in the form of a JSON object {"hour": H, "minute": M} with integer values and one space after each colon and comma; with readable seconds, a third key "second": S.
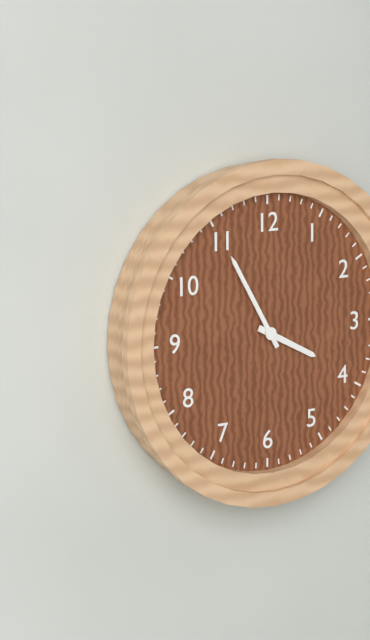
{"hour": 3, "minute": 55}
